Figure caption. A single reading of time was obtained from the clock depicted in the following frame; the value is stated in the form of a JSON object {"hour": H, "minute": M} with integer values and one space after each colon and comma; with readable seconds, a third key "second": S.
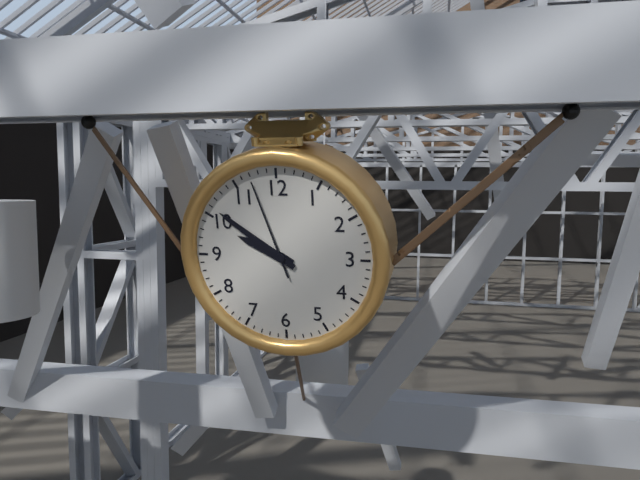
{"hour": 9, "minute": 51, "second": 57}
